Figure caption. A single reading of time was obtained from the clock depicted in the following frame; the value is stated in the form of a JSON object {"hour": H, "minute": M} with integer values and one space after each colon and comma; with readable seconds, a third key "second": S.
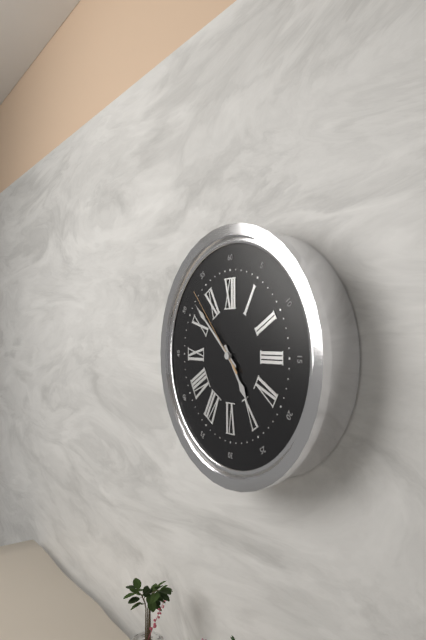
{"hour": 4, "minute": 52, "second": 53}
